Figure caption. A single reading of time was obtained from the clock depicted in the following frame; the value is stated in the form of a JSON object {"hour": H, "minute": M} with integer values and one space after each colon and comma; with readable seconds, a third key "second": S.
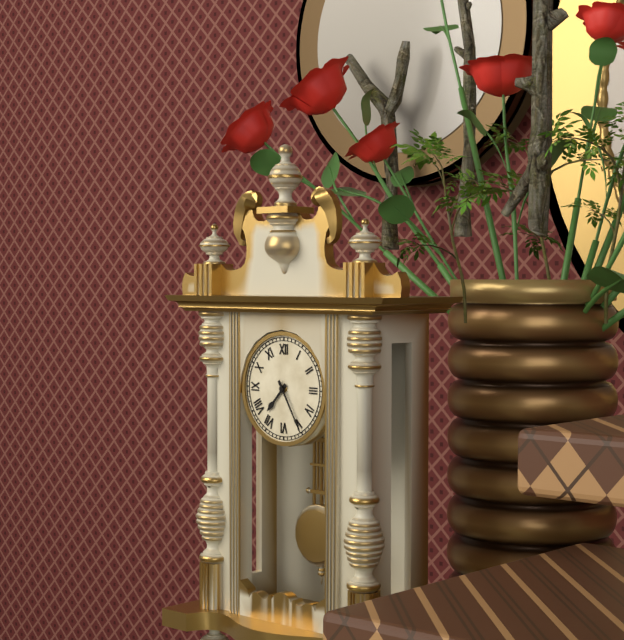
{"hour": 7, "minute": 25}
